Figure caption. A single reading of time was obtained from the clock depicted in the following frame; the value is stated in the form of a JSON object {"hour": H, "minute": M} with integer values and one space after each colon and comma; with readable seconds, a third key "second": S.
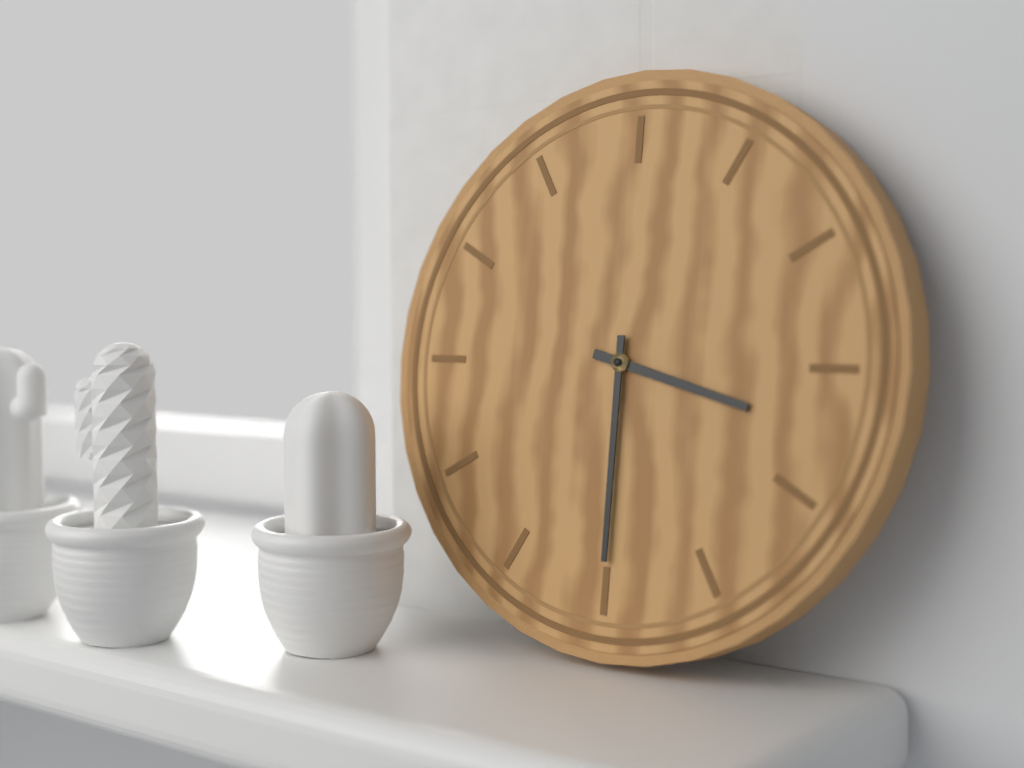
{"hour": 3, "minute": 30}
